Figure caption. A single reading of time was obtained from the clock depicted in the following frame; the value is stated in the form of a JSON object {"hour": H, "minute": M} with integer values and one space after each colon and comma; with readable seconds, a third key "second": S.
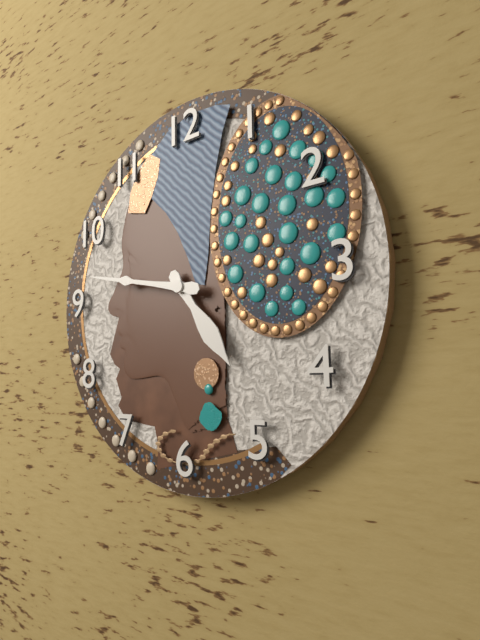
{"hour": 4, "minute": 47}
